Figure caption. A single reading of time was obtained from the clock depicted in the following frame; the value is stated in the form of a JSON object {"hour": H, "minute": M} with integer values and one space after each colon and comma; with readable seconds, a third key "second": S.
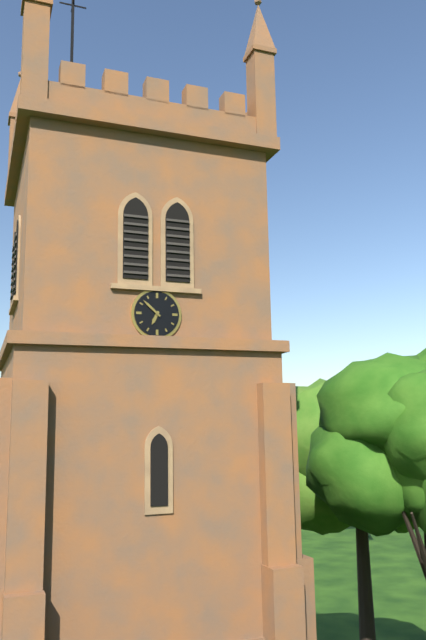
{"hour": 6, "minute": 52}
